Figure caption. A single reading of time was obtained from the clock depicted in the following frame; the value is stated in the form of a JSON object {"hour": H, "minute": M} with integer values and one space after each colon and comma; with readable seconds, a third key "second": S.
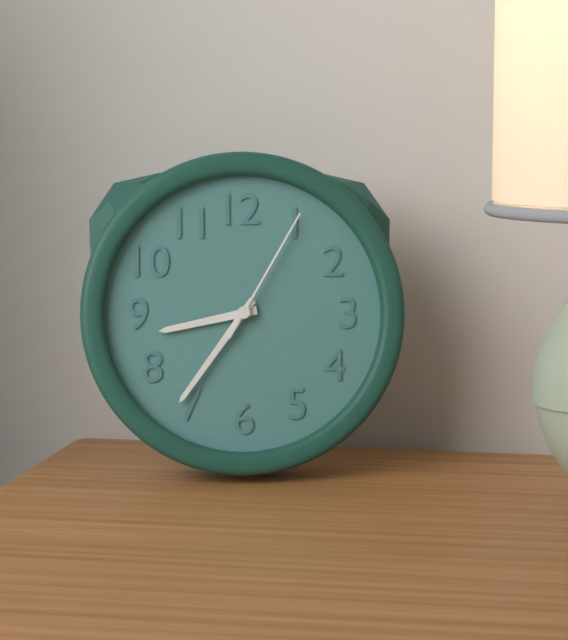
{"hour": 8, "minute": 36, "second": 5}
